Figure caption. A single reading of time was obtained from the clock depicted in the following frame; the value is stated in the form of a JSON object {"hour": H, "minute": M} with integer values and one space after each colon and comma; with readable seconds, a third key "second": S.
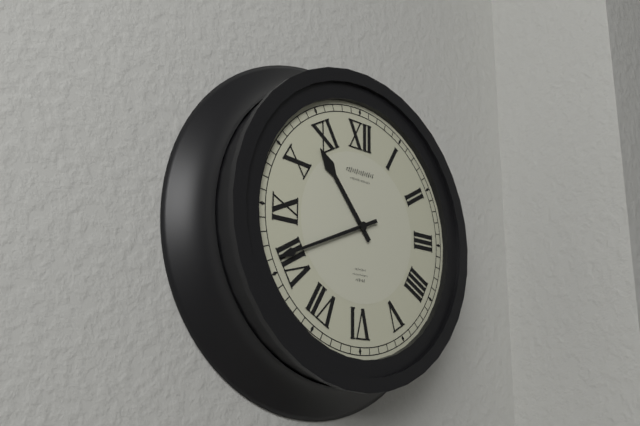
{"hour": 10, "minute": 41}
